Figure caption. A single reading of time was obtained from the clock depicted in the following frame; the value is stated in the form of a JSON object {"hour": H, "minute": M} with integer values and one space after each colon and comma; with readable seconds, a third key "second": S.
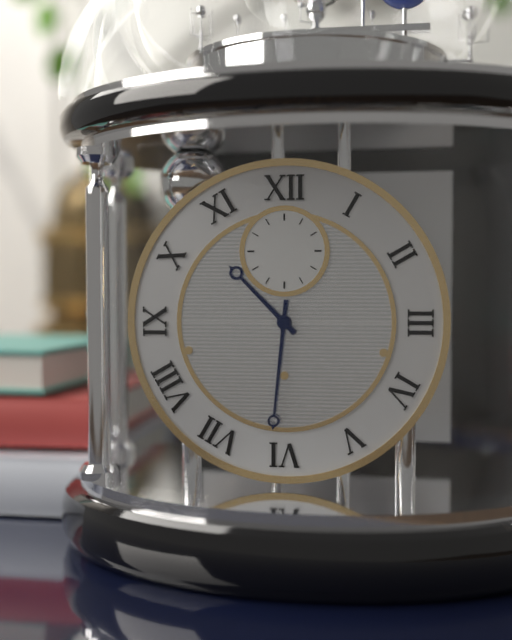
{"hour": 10, "minute": 31}
